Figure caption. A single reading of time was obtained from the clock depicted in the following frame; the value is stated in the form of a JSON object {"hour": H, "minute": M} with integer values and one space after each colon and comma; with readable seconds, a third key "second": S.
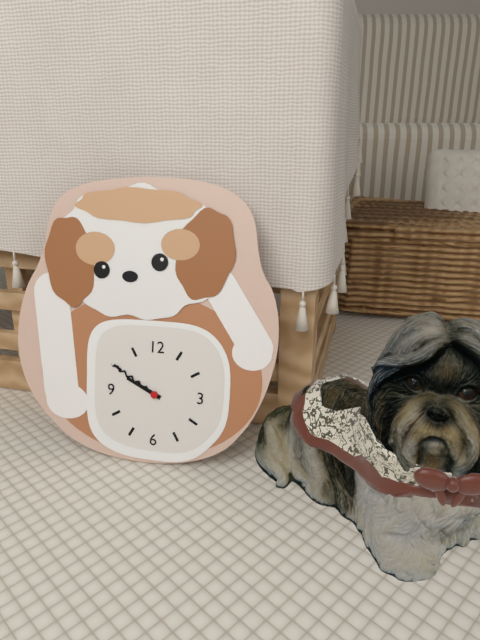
{"hour": 9, "minute": 50}
